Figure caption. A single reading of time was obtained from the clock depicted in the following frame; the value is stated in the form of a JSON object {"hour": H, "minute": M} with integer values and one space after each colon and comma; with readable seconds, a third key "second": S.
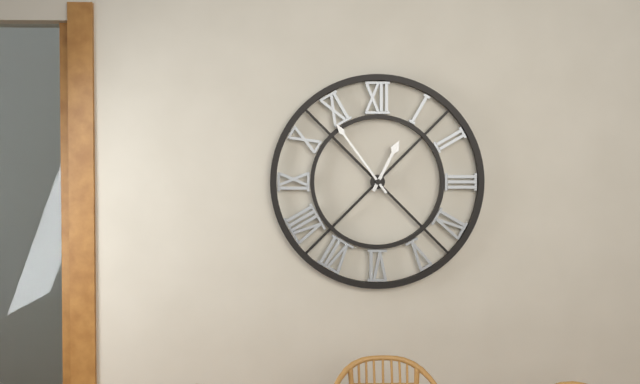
{"hour": 12, "minute": 54}
